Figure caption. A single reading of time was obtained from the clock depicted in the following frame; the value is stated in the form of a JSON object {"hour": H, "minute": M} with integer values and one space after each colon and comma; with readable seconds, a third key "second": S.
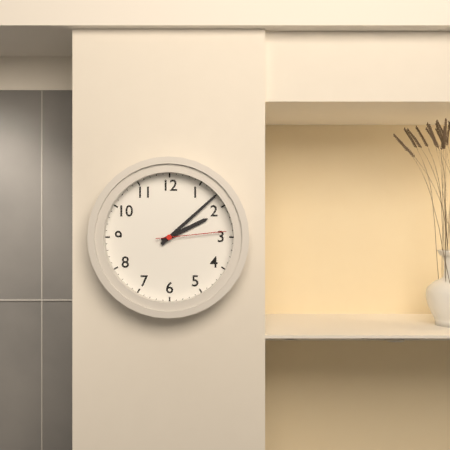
{"hour": 2, "minute": 8, "second": 14}
